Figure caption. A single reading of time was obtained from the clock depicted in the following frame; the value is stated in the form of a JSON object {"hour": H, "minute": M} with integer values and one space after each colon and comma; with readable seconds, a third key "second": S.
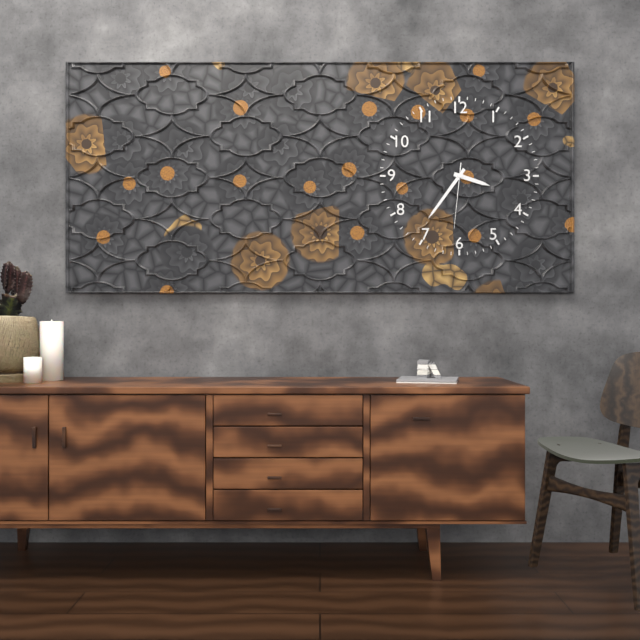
{"hour": 3, "minute": 36, "second": 31}
